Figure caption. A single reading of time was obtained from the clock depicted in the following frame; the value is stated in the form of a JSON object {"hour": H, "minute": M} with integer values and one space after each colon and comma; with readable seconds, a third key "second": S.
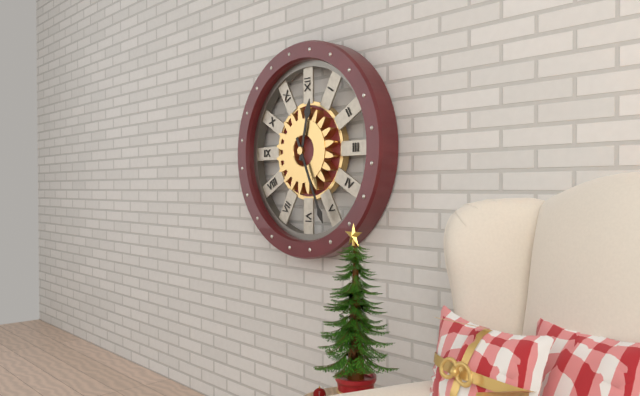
{"hour": 12, "minute": 26}
